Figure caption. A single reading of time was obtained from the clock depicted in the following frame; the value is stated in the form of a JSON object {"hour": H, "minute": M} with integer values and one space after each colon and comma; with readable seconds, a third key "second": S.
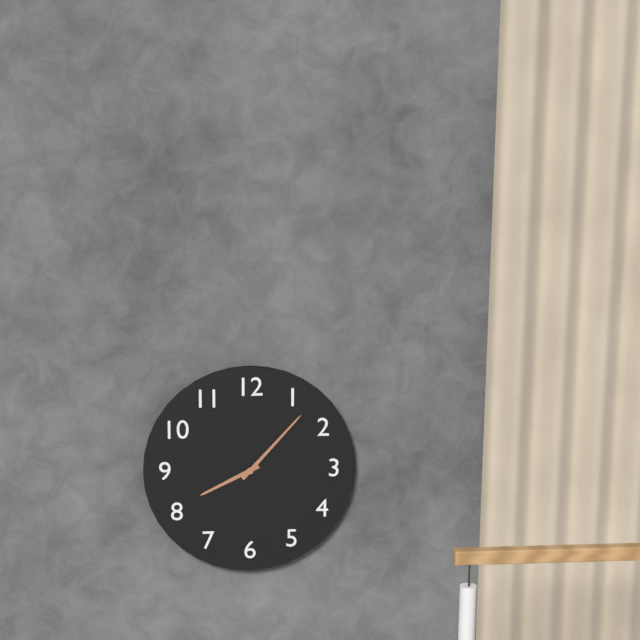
{"hour": 8, "minute": 7}
